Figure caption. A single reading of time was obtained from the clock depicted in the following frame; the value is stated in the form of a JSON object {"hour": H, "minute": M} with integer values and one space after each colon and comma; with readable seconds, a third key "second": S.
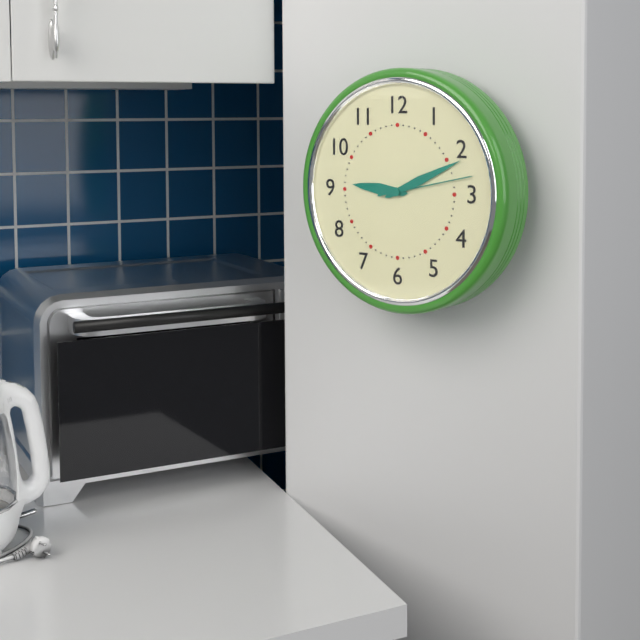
{"hour": 9, "minute": 11, "second": 13}
